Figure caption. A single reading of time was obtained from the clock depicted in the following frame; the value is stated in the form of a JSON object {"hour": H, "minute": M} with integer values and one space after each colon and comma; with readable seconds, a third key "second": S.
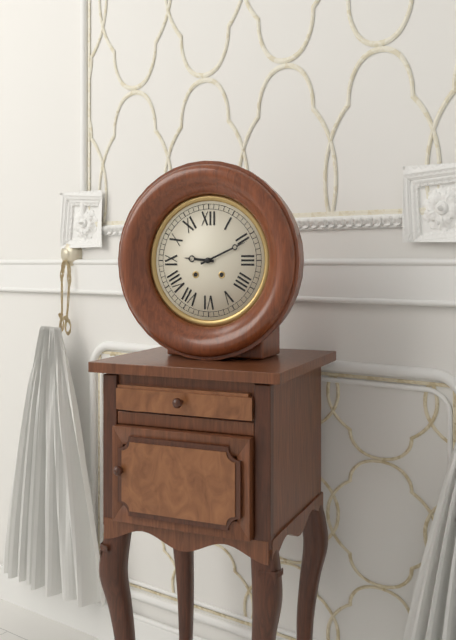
{"hour": 9, "minute": 11}
